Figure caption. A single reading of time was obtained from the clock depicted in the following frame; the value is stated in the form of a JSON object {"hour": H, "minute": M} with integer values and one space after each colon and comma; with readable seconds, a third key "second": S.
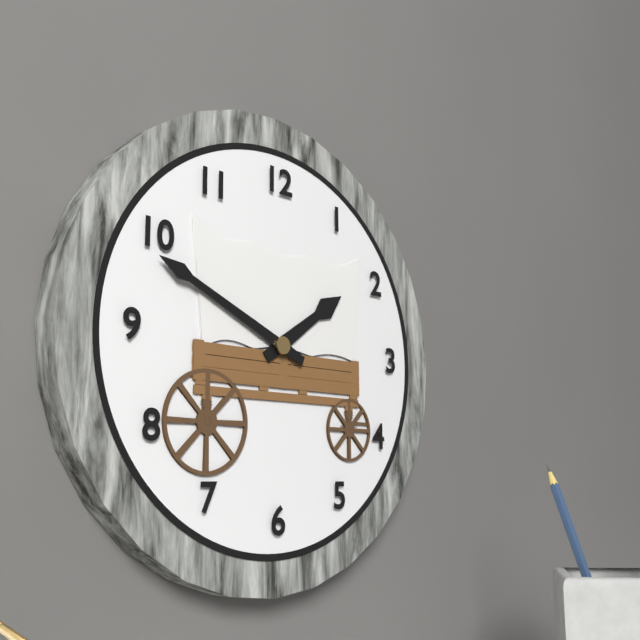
{"hour": 1, "minute": 49}
